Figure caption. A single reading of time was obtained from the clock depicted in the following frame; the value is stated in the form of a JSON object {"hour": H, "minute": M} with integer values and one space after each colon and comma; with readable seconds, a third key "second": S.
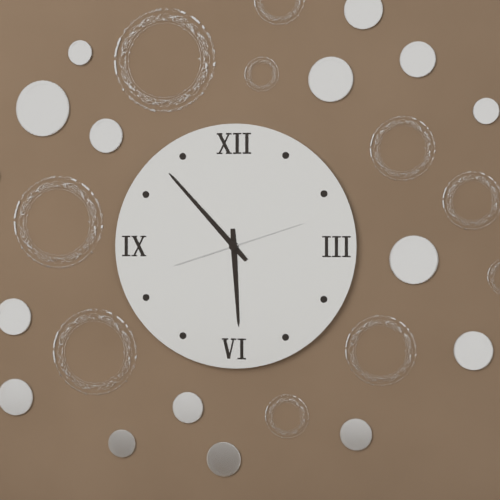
{"hour": 5, "minute": 53, "second": 12}
